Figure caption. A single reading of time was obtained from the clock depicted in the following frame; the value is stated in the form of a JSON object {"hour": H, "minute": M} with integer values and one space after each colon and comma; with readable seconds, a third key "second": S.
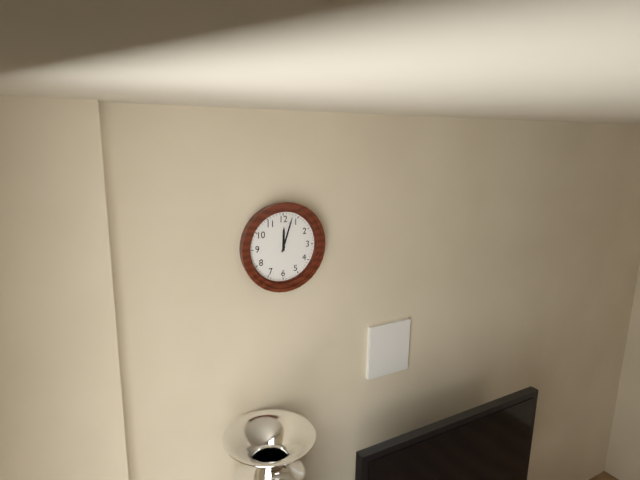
{"hour": 12, "minute": 3}
